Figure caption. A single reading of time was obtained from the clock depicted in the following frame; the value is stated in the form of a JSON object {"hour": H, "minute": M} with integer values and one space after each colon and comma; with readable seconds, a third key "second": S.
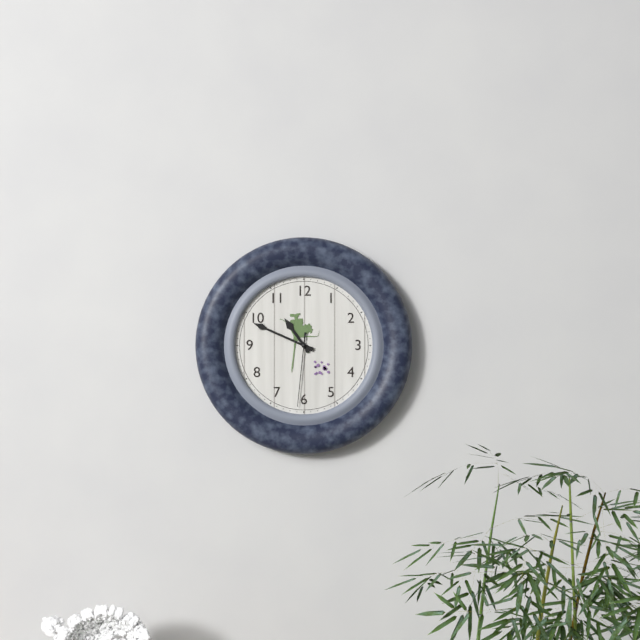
{"hour": 10, "minute": 49, "second": 31}
